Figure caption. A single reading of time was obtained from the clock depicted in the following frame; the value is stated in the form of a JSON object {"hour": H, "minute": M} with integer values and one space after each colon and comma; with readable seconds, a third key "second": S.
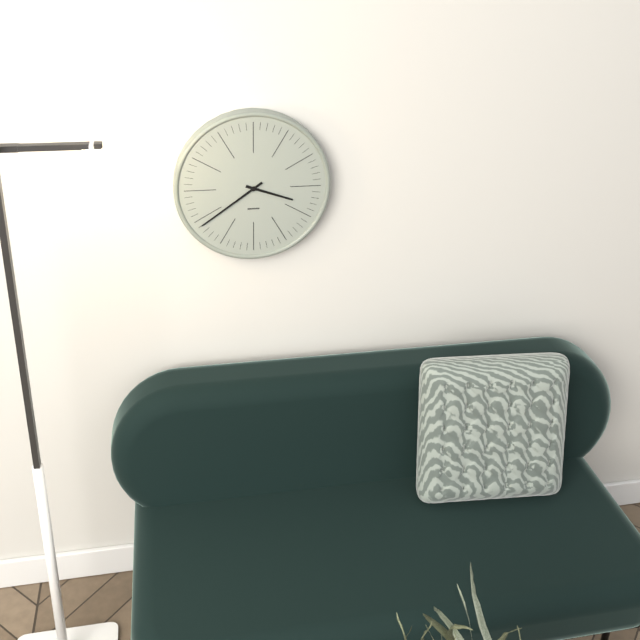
{"hour": 3, "minute": 39}
